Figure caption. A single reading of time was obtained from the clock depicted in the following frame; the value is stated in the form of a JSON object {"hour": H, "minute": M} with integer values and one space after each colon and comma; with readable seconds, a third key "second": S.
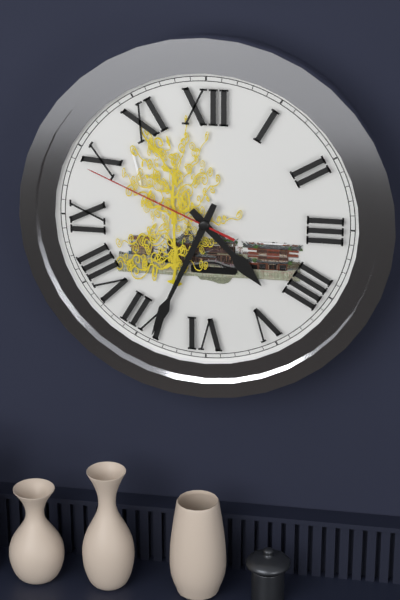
{"hour": 4, "minute": 34, "second": 49}
